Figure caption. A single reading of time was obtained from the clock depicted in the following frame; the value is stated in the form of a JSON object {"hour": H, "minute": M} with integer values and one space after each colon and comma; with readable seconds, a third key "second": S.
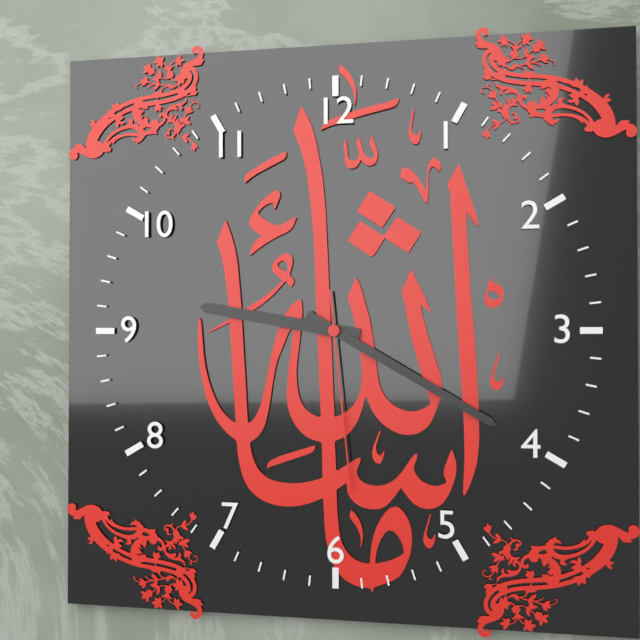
{"hour": 9, "minute": 20, "second": 29}
